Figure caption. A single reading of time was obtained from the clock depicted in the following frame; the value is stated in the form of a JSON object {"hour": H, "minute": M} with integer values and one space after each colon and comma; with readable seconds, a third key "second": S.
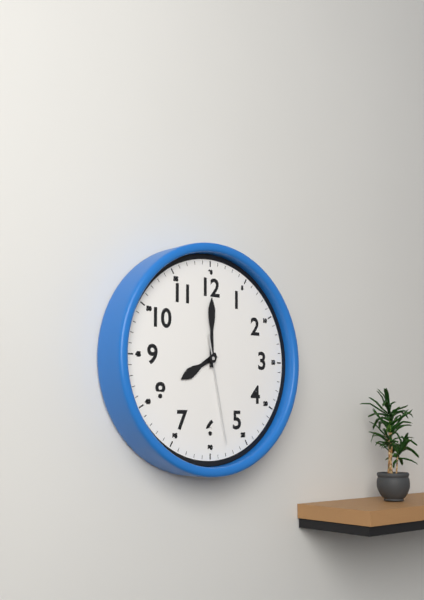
{"hour": 8, "minute": 0, "second": 28}
